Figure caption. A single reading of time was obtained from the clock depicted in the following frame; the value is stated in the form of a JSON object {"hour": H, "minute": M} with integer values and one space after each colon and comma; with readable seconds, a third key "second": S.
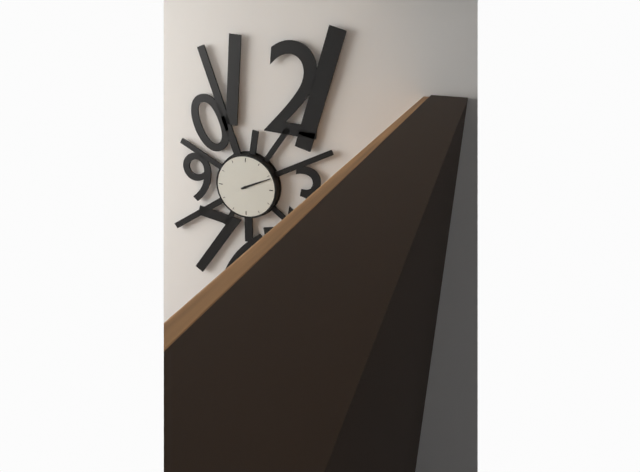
{"hour": 2, "minute": 11}
